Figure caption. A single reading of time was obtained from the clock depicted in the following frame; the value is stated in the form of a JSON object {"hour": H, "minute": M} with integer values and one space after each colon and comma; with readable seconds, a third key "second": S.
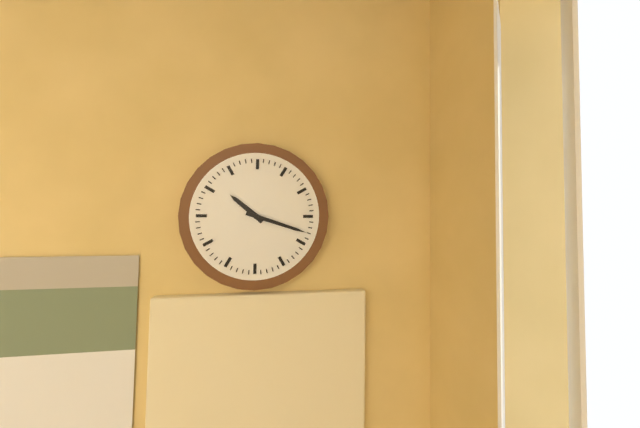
{"hour": 10, "minute": 18}
